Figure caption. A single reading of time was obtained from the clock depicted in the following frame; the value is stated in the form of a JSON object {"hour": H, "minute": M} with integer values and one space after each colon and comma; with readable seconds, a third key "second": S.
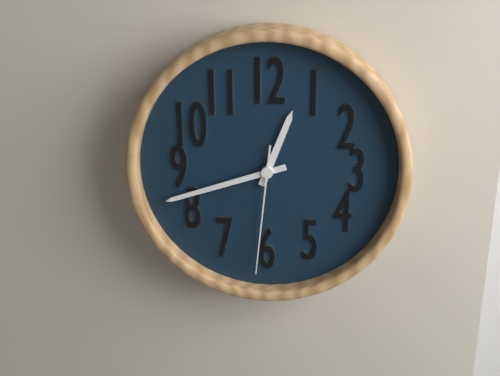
{"hour": 12, "minute": 42, "second": 31}
